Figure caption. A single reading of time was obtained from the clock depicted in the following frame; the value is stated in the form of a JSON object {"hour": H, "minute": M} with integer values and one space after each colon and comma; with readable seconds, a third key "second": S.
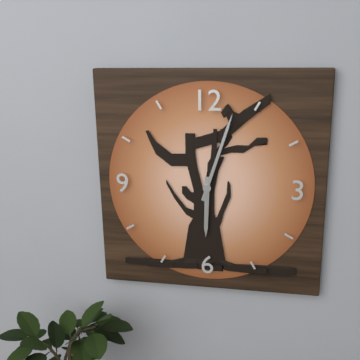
{"hour": 6, "minute": 3}
